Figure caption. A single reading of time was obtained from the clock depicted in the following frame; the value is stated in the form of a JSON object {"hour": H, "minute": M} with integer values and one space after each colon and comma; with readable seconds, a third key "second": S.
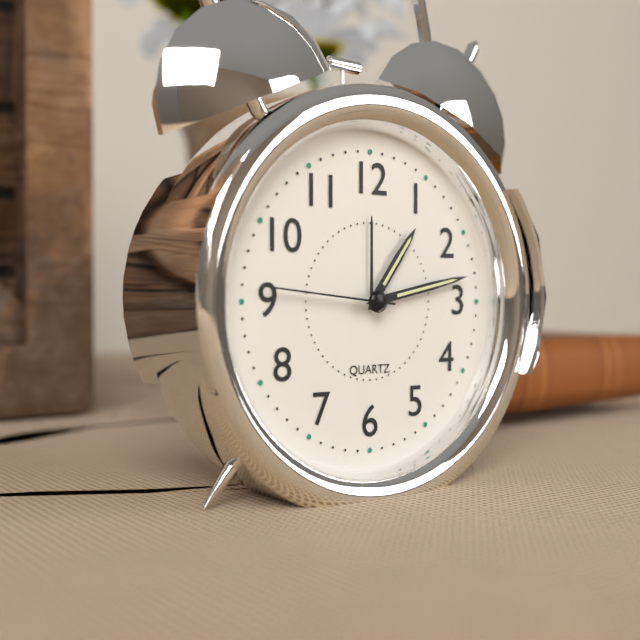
{"hour": 1, "minute": 13, "second": 46}
